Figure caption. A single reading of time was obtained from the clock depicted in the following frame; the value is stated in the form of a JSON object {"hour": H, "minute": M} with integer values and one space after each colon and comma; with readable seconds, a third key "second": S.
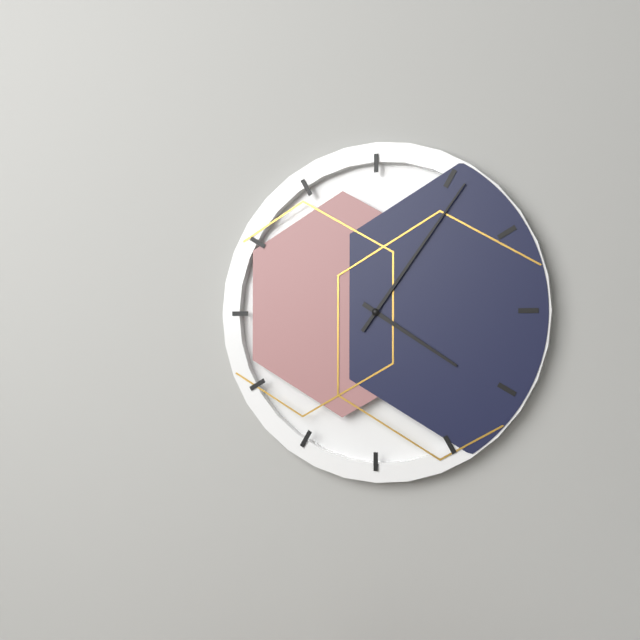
{"hour": 4, "minute": 6}
